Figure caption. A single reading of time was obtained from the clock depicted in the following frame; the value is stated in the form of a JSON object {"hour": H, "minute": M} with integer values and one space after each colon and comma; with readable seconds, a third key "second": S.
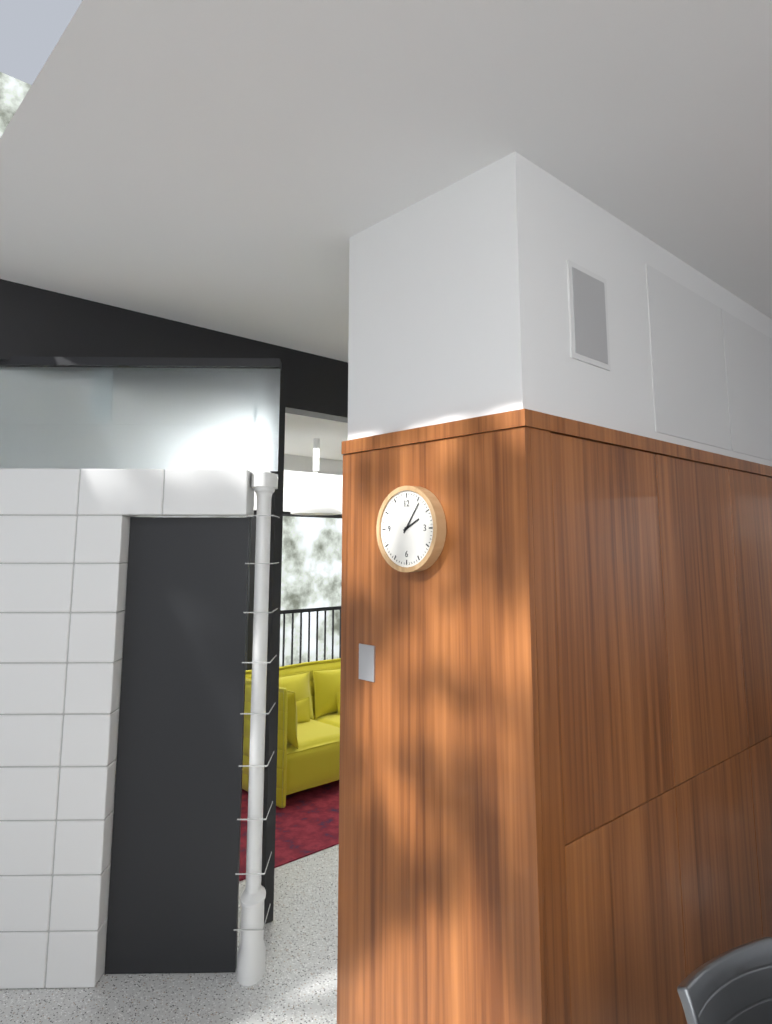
{"hour": 2, "minute": 6}
